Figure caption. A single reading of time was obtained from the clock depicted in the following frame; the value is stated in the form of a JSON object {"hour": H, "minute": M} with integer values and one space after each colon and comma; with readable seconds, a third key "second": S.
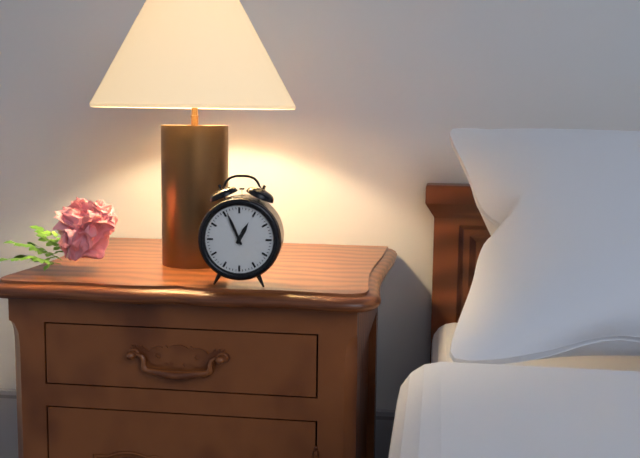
{"hour": 12, "minute": 56}
